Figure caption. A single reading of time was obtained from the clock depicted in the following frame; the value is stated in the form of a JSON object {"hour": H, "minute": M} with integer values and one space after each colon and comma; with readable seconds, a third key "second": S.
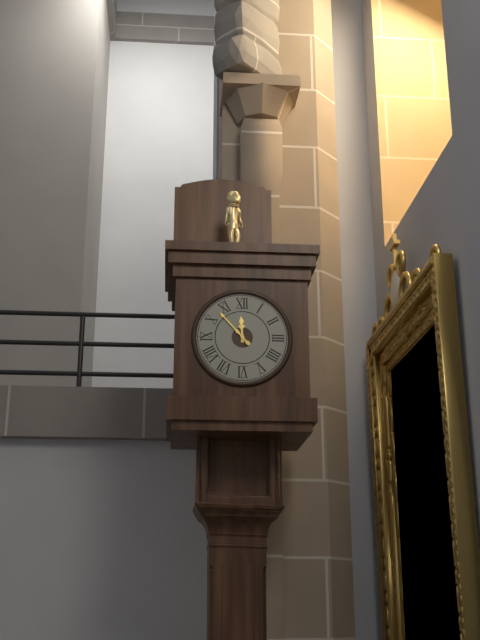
{"hour": 11, "minute": 53}
